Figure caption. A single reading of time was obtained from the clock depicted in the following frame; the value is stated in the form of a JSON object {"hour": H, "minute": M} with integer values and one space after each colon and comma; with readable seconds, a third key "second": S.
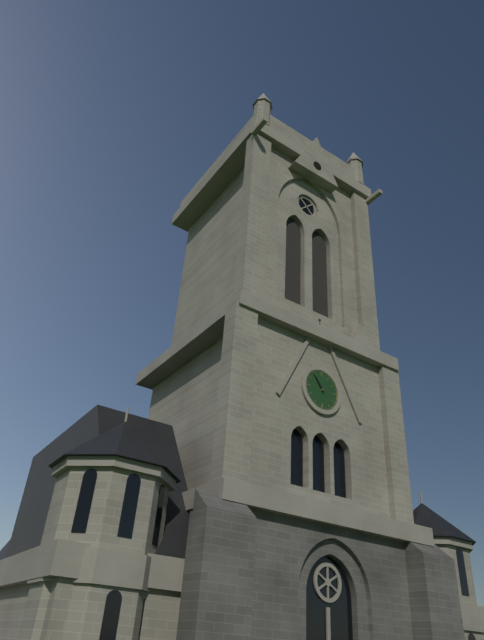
{"hour": 10, "minute": 54}
